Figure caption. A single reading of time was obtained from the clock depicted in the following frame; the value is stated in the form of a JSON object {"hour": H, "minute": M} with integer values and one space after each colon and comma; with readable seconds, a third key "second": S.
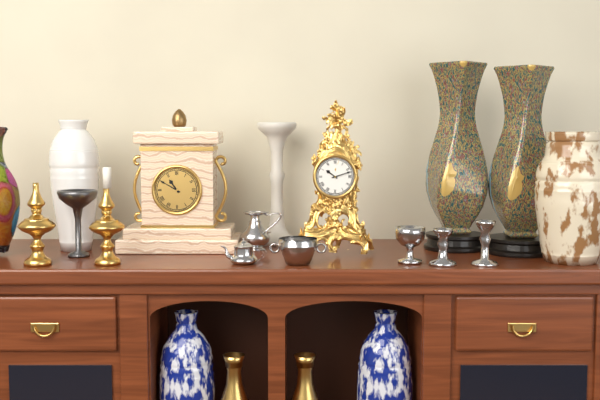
{"hour": 10, "minute": 12}
